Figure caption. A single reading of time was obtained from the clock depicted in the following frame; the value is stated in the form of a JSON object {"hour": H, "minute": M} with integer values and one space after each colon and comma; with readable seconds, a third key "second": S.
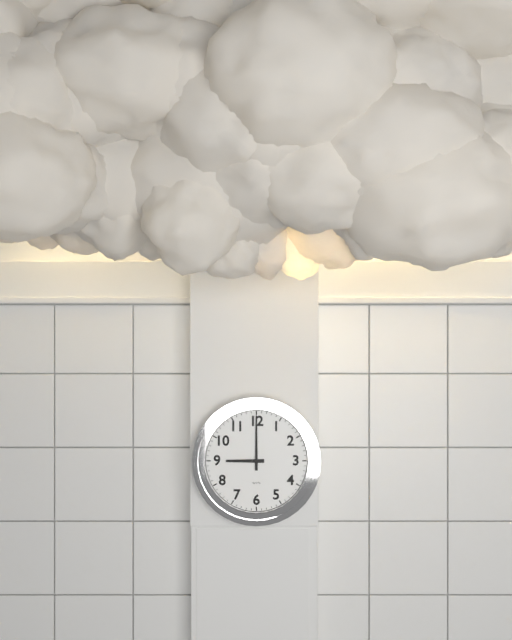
{"hour": 9, "minute": 0}
